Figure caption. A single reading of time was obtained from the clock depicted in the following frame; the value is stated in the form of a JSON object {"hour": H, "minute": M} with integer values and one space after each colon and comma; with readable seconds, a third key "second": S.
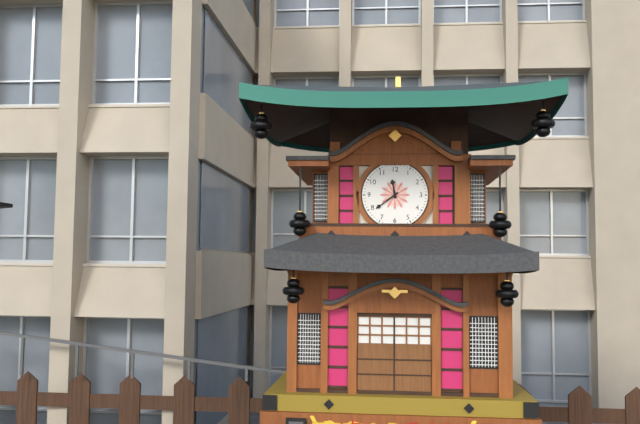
{"hour": 11, "minute": 39}
